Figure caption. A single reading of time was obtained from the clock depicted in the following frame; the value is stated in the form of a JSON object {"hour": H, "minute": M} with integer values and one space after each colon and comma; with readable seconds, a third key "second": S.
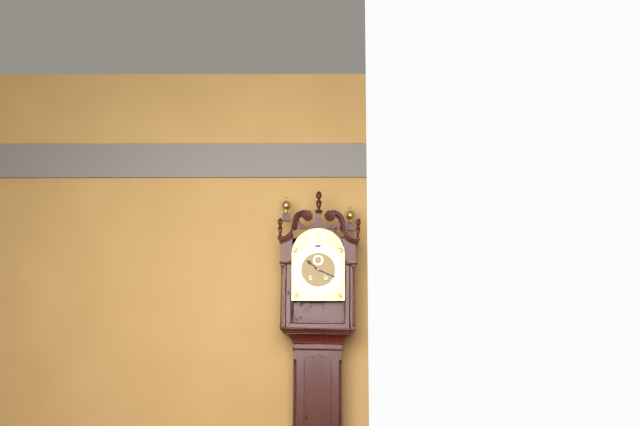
{"hour": 10, "minute": 19}
